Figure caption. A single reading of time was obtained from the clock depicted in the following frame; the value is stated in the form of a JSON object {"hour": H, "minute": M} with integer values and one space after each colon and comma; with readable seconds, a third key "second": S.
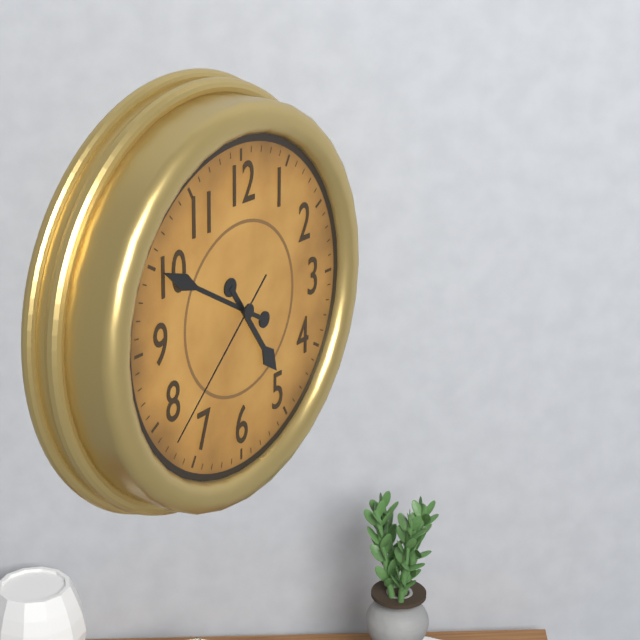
{"hour": 4, "minute": 50, "second": 38}
